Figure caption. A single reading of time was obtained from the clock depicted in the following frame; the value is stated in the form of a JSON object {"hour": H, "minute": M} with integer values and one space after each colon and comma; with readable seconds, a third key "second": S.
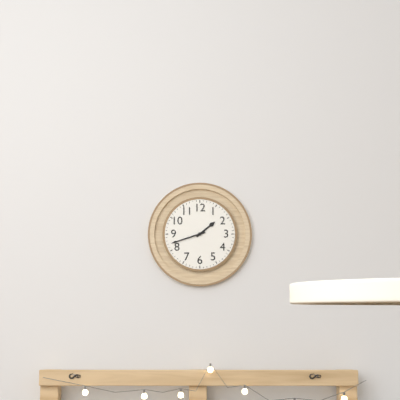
{"hour": 1, "minute": 42}
